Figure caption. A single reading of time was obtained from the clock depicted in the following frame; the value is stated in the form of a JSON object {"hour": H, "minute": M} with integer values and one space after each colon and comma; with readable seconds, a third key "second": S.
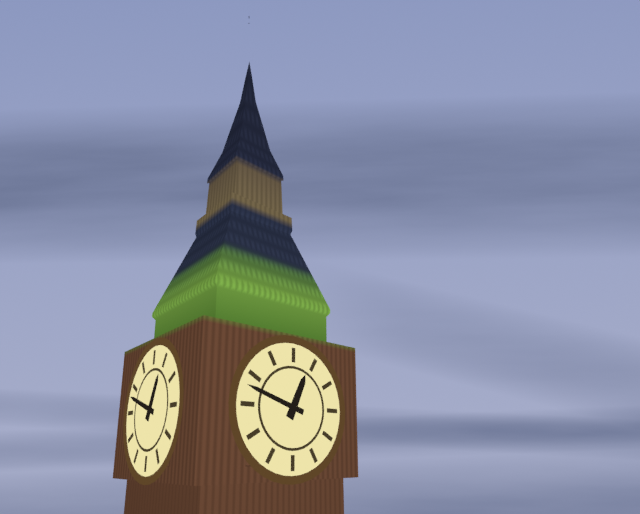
{"hour": 12, "minute": 48}
